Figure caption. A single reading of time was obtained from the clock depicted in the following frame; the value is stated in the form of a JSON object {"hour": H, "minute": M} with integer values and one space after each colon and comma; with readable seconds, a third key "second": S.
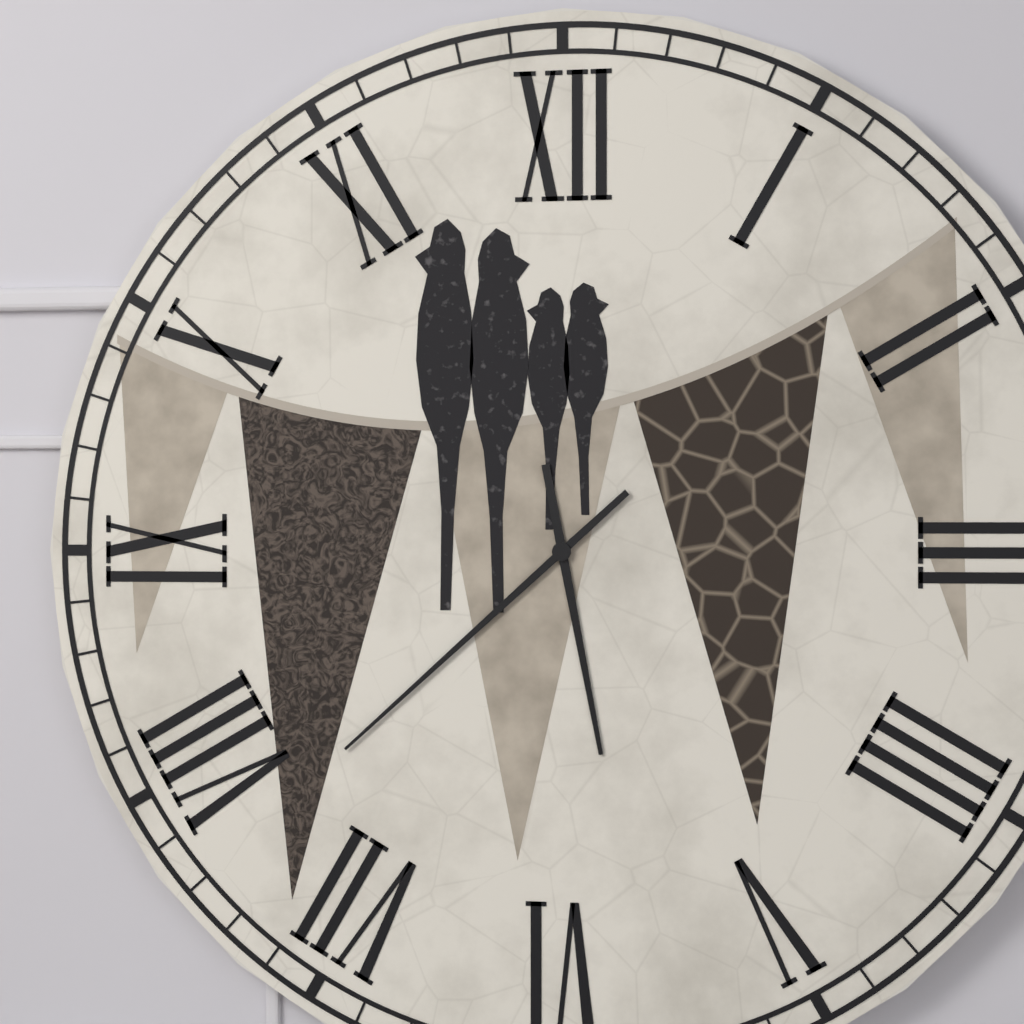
{"hour": 5, "minute": 38}
